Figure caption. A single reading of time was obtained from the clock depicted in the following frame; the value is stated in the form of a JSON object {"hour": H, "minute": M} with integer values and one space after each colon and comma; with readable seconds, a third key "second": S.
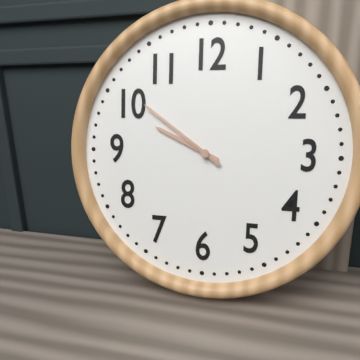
{"hour": 9, "minute": 51}
